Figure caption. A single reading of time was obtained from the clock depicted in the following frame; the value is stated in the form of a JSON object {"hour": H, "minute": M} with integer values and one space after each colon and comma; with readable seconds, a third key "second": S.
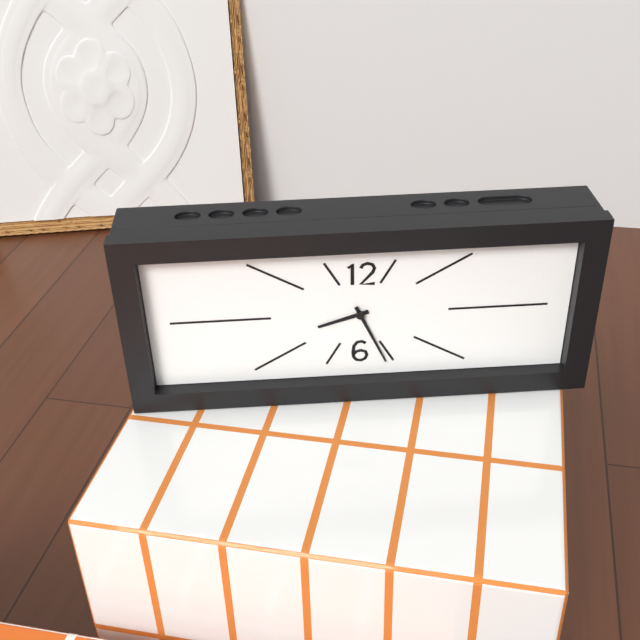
{"hour": 8, "minute": 26}
